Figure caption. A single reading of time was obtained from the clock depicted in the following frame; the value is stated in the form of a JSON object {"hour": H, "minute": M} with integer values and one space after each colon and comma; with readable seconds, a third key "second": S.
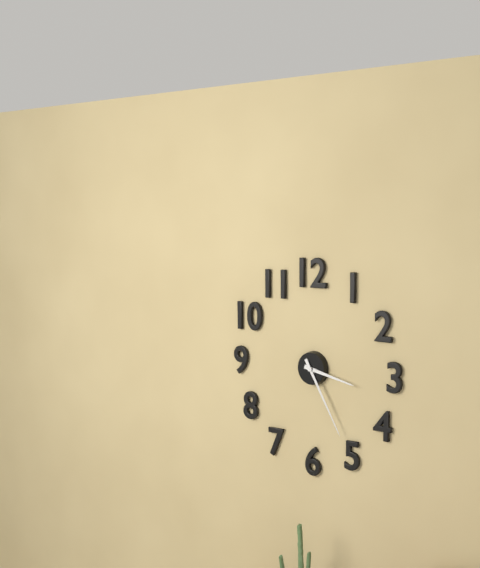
{"hour": 3, "minute": 25}
